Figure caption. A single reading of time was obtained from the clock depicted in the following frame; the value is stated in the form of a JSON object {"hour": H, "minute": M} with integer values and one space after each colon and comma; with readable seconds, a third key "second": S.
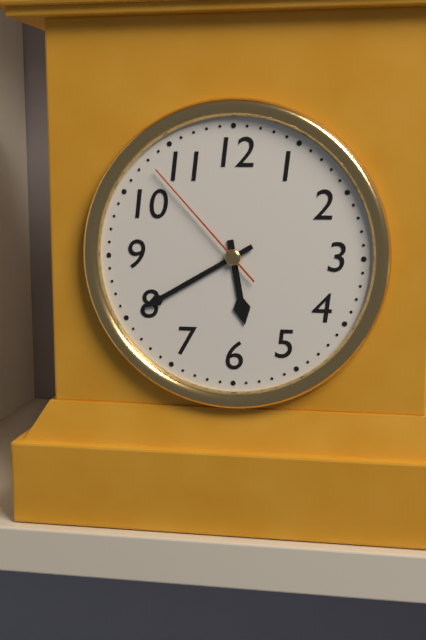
{"hour": 5, "minute": 40, "second": 53}
